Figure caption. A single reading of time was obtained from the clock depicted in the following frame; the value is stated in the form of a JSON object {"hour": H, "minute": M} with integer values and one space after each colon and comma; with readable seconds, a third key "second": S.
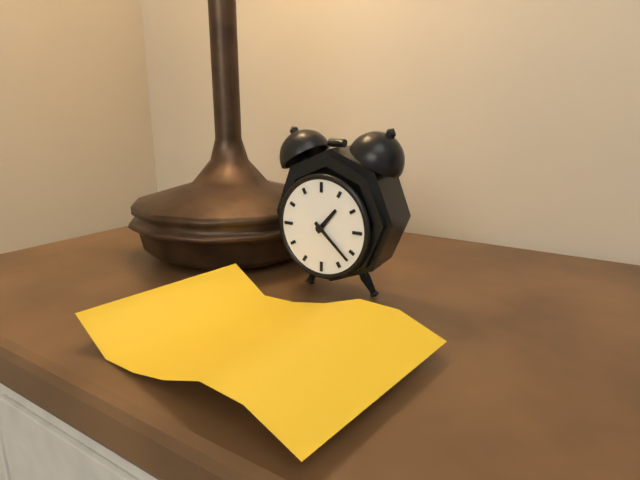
{"hour": 1, "minute": 22}
